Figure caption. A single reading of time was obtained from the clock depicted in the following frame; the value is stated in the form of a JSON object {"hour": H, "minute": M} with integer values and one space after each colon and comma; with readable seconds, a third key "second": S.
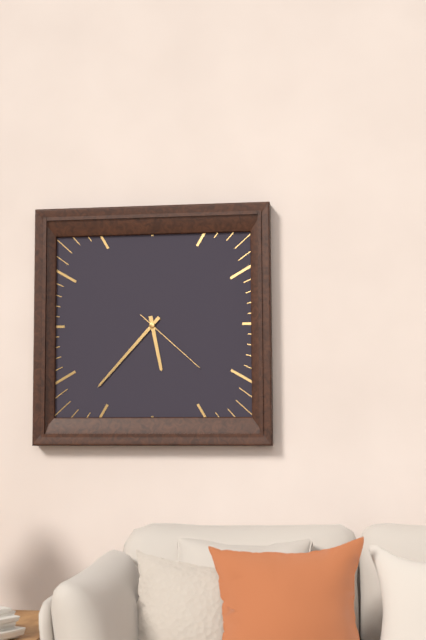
{"hour": 5, "minute": 37, "second": 22}
